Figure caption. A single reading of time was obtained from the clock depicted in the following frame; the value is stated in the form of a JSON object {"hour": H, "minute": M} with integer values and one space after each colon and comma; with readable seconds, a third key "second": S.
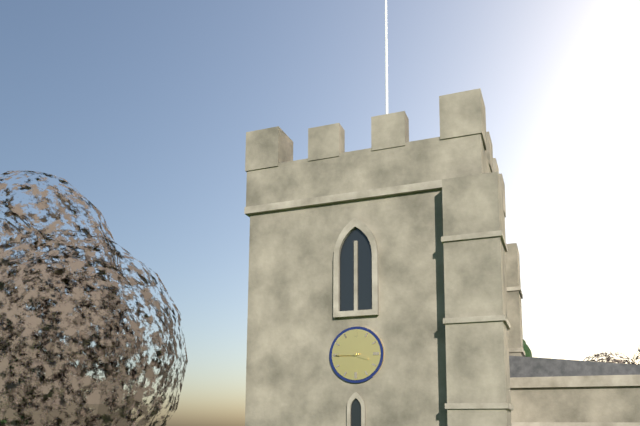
{"hour": 3, "minute": 45}
